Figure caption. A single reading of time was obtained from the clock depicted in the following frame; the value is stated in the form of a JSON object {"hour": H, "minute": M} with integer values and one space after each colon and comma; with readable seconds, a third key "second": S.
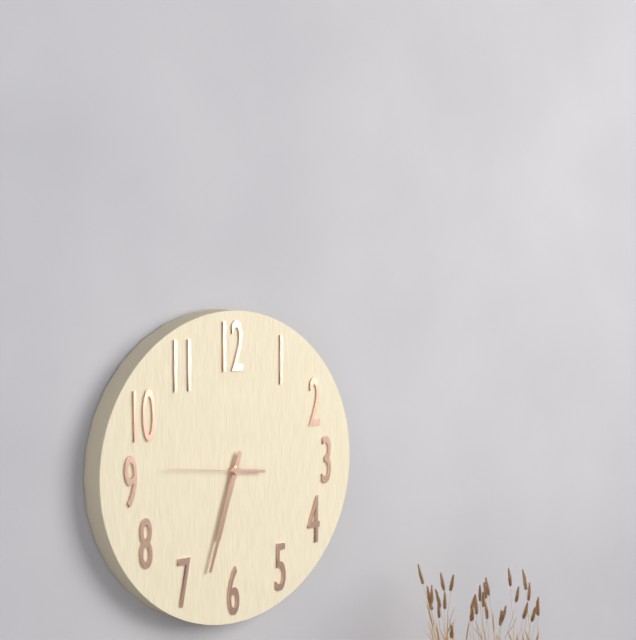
{"hour": 6, "minute": 33, "second": 46}
